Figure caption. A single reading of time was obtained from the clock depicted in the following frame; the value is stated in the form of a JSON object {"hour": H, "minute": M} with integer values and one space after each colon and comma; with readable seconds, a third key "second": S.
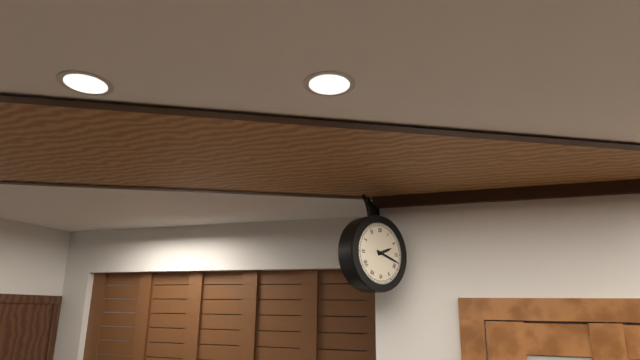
{"hour": 2, "minute": 18}
